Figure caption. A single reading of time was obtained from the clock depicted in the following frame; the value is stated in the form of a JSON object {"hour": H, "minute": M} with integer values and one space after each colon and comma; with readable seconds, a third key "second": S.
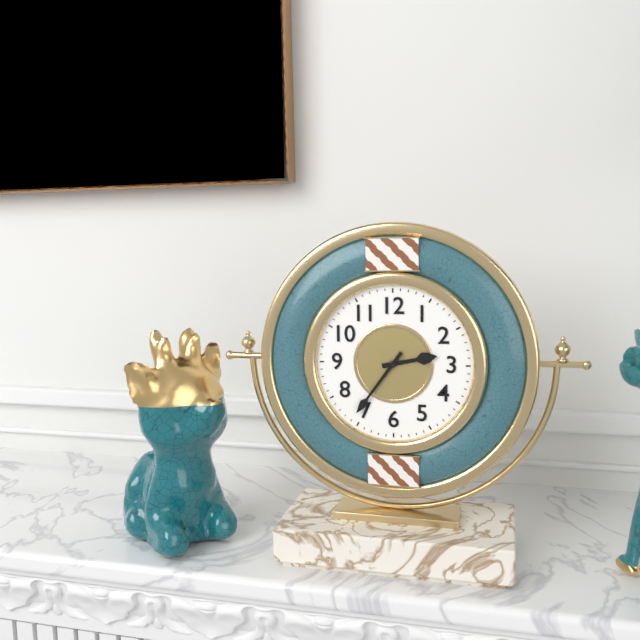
{"hour": 2, "minute": 36}
